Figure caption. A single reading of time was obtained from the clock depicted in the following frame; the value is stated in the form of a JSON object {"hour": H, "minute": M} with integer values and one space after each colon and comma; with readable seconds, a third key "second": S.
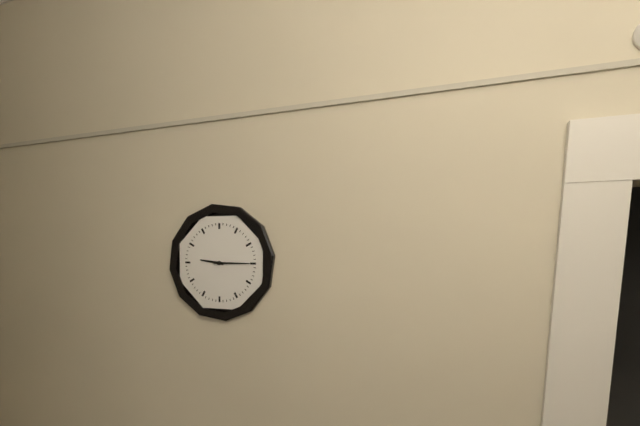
{"hour": 9, "minute": 15}
